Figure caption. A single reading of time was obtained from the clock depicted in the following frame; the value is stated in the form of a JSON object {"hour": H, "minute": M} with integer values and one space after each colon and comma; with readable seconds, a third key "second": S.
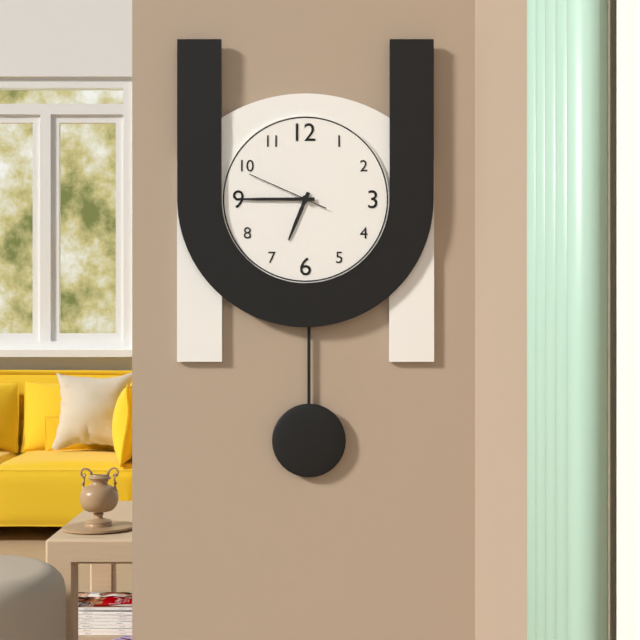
{"hour": 6, "minute": 45, "second": 49}
